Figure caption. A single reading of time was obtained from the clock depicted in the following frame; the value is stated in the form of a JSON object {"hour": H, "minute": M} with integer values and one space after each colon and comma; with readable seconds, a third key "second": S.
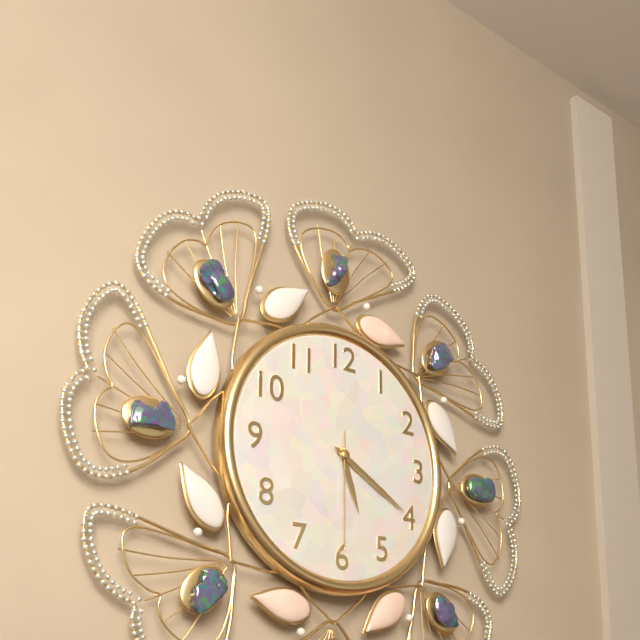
{"hour": 5, "minute": 20, "second": 30}
